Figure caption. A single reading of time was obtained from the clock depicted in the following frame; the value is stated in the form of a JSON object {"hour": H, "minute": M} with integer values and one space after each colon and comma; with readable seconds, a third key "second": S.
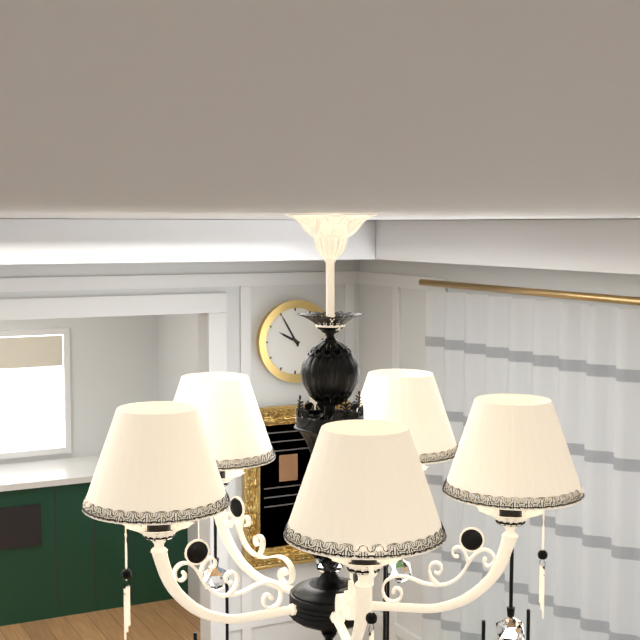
{"hour": 9, "minute": 55}
